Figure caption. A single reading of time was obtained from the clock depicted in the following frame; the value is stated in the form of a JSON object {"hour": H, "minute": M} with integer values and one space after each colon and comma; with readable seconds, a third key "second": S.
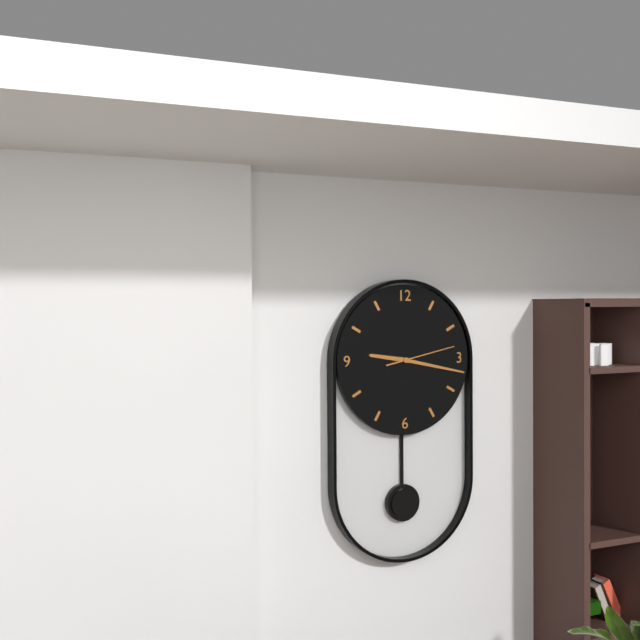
{"hour": 9, "minute": 17, "second": 13}
